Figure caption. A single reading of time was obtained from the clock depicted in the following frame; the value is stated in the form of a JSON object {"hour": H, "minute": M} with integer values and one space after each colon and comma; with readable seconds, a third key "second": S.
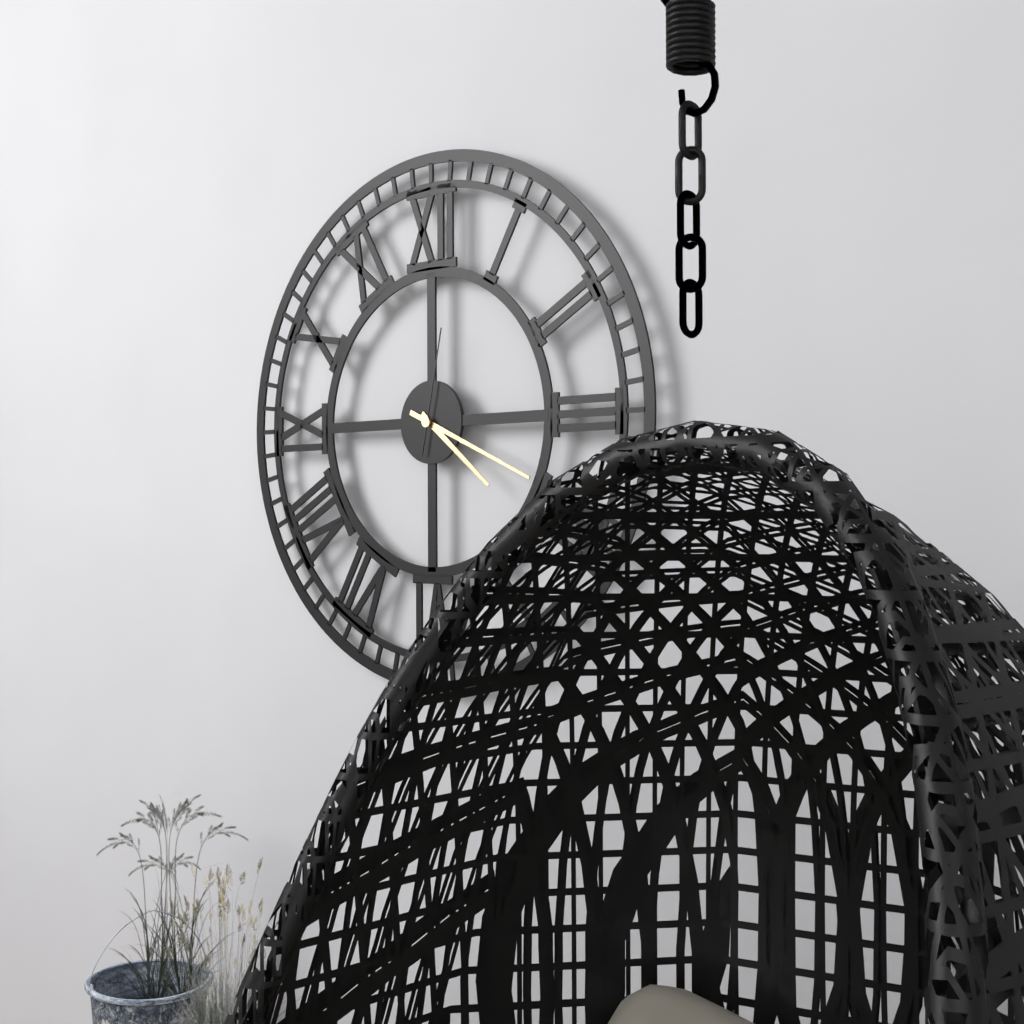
{"hour": 4, "minute": 19, "second": 2}
